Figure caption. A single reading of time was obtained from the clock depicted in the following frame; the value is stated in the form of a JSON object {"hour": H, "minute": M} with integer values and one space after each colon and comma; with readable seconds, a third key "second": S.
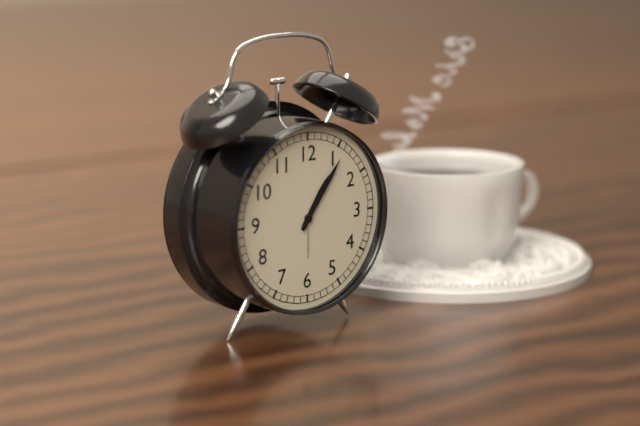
{"hour": 1, "minute": 6}
